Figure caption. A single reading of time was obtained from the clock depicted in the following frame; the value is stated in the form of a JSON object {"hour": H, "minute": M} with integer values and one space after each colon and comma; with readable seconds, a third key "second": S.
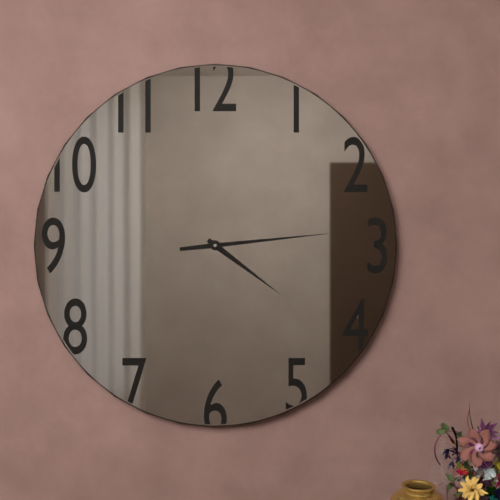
{"hour": 4, "minute": 14}
